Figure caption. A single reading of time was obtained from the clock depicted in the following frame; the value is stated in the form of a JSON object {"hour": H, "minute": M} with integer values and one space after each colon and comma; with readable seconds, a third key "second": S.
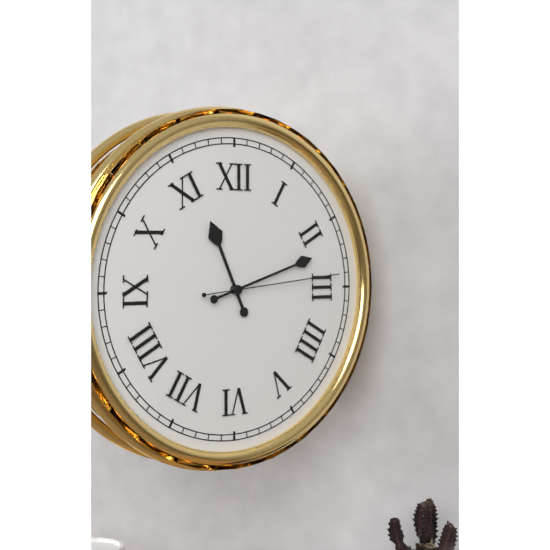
{"hour": 11, "minute": 12, "second": 14}
